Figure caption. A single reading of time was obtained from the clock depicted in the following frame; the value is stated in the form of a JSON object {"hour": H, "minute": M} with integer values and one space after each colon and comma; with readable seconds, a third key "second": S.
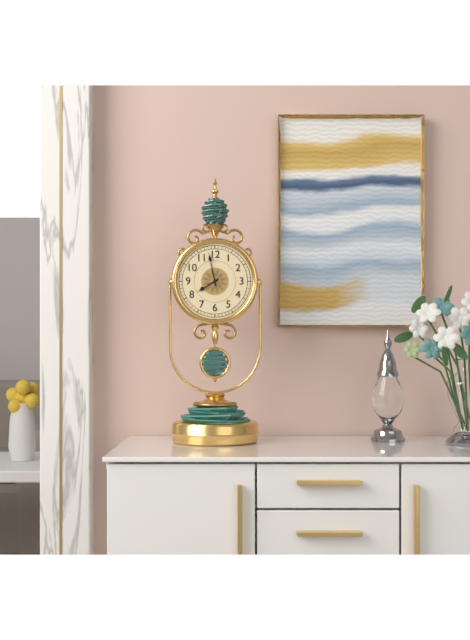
{"hour": 7, "minute": 58}
